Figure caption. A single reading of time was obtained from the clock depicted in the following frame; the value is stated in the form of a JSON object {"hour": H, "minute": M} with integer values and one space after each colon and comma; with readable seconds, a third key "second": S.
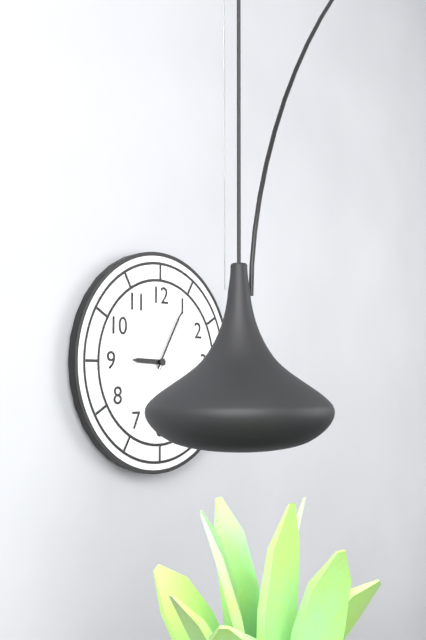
{"hour": 9, "minute": 5, "second": 5}
